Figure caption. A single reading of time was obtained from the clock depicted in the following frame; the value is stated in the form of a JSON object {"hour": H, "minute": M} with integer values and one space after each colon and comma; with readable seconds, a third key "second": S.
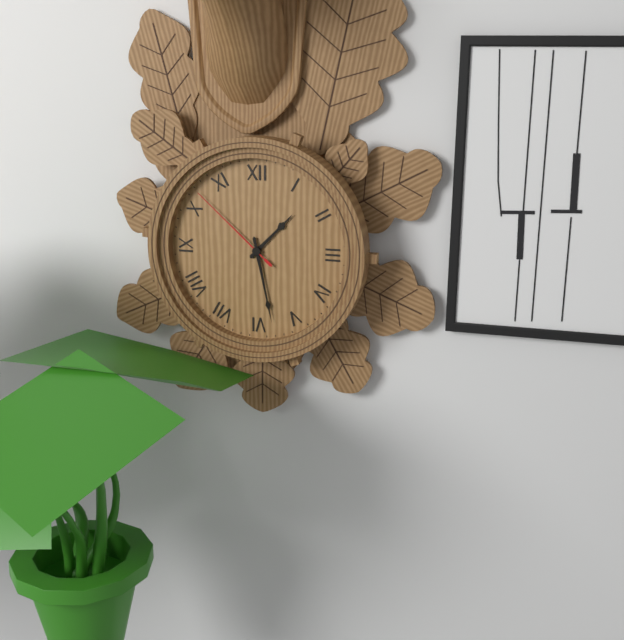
{"hour": 1, "minute": 28, "second": 52}
